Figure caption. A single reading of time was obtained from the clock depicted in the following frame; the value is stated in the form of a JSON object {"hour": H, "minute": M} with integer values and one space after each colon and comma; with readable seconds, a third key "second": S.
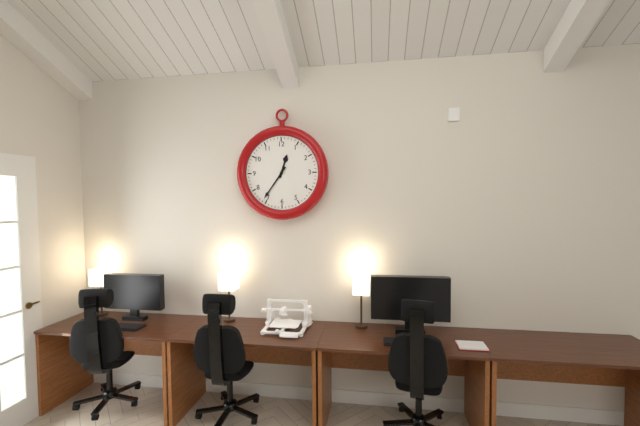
{"hour": 12, "minute": 36}
